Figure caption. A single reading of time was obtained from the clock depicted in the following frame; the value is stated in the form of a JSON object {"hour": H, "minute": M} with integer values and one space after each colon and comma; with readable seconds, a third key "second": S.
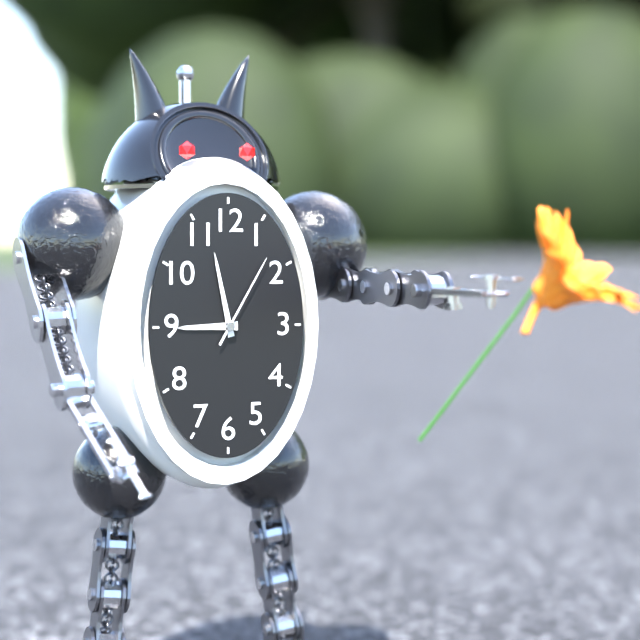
{"hour": 8, "minute": 58, "second": 5}
